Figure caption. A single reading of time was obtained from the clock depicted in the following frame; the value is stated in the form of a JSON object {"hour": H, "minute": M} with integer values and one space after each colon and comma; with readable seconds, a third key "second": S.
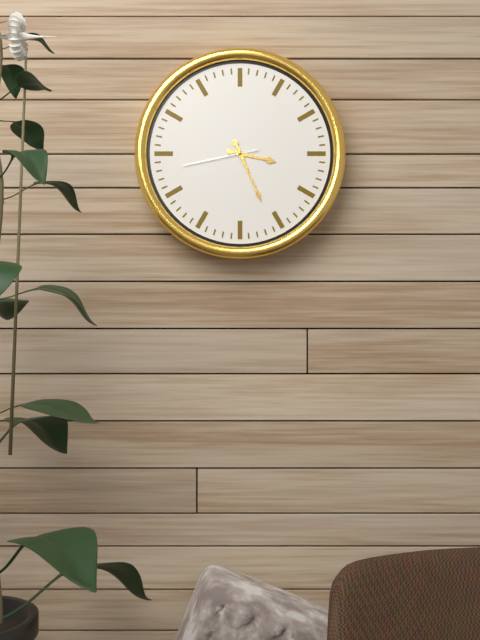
{"hour": 3, "minute": 26, "second": 43}
